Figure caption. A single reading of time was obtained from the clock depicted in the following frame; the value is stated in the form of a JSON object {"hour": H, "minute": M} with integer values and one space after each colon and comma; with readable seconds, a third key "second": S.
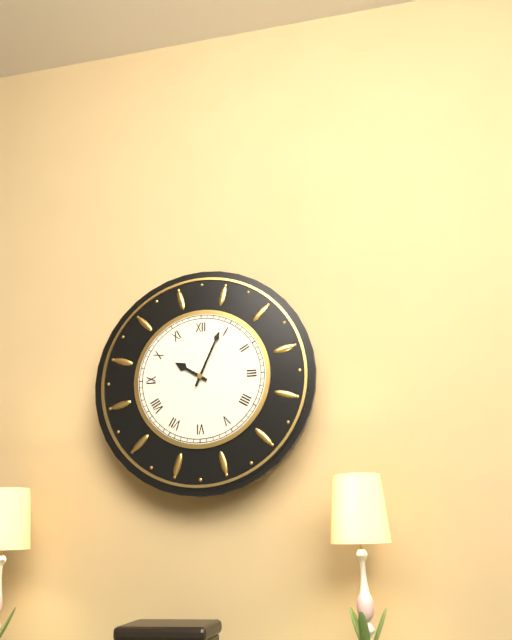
{"hour": 10, "minute": 4}
